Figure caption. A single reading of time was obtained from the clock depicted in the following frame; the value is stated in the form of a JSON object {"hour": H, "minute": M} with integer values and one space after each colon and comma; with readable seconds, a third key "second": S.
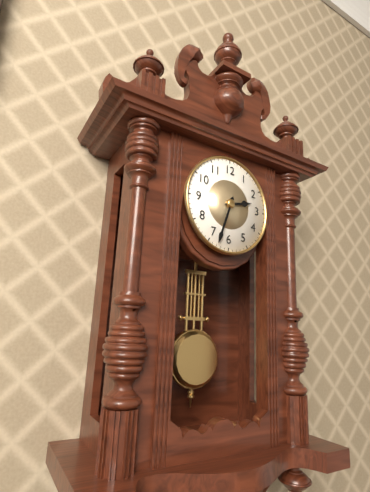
{"hour": 2, "minute": 33}
